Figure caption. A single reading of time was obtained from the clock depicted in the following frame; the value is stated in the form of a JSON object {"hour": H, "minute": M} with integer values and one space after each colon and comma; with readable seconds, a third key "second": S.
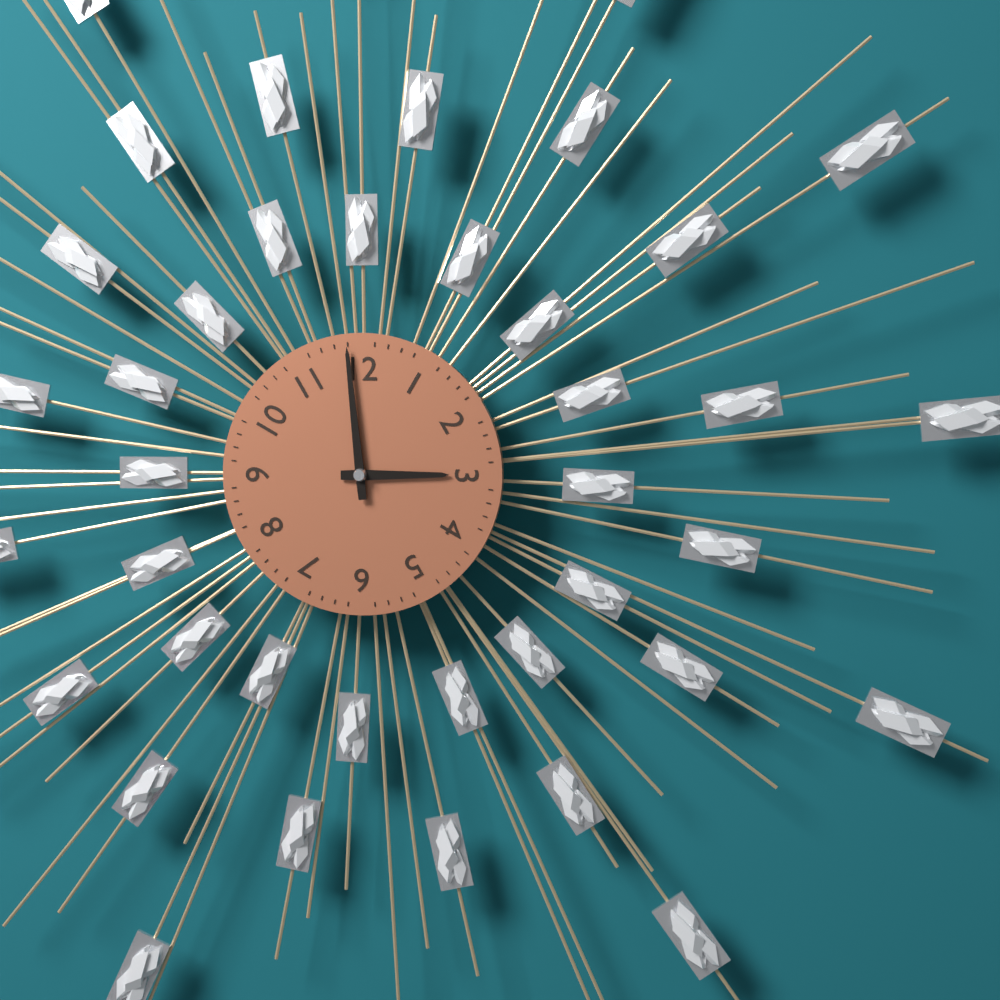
{"hour": 2, "minute": 59}
